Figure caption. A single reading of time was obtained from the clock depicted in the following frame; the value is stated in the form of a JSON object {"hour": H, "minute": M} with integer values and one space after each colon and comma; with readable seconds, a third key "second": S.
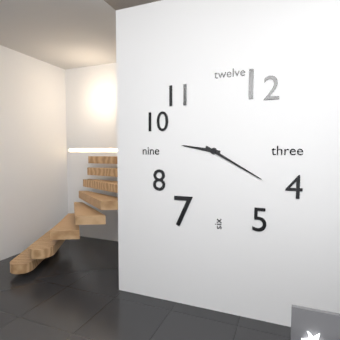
{"hour": 9, "minute": 20}
